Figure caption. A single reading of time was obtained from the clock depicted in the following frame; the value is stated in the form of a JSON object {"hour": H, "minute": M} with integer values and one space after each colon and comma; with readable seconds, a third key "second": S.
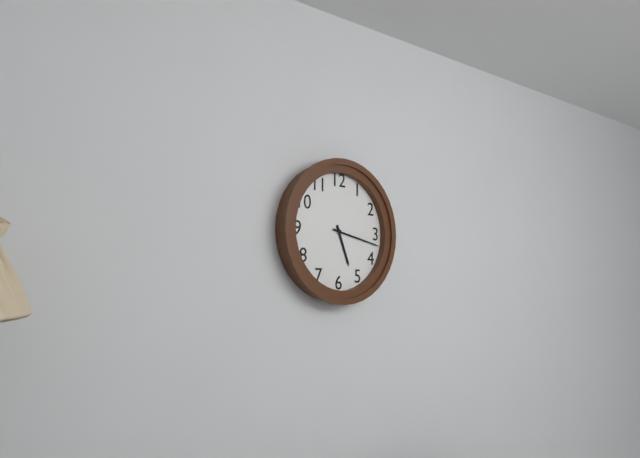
{"hour": 5, "minute": 17}
